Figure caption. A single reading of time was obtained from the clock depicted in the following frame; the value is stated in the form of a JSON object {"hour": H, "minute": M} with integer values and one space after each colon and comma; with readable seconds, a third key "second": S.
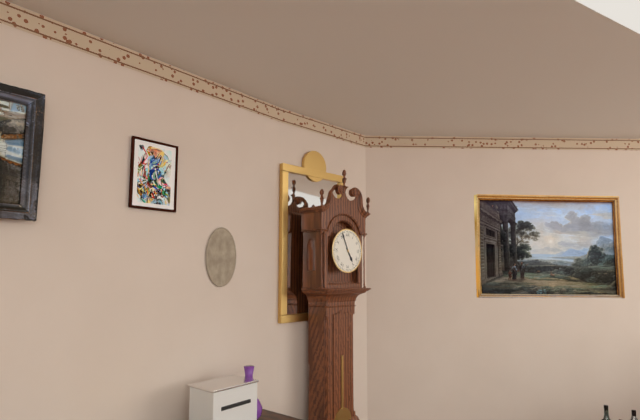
{"hour": 4, "minute": 56}
